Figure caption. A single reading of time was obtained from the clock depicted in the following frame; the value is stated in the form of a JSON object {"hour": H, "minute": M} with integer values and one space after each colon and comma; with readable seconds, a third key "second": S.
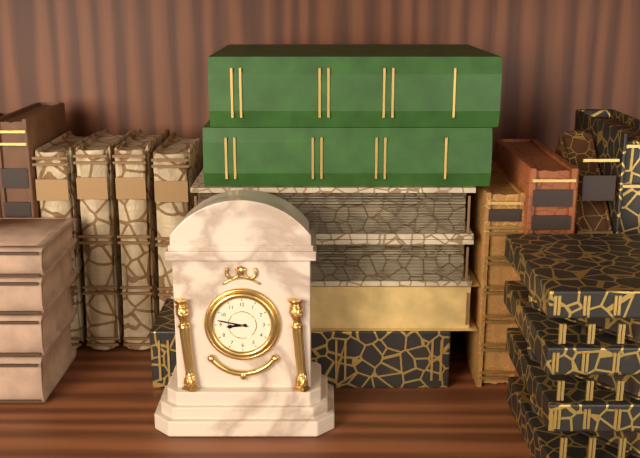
{"hour": 8, "minute": 47}
